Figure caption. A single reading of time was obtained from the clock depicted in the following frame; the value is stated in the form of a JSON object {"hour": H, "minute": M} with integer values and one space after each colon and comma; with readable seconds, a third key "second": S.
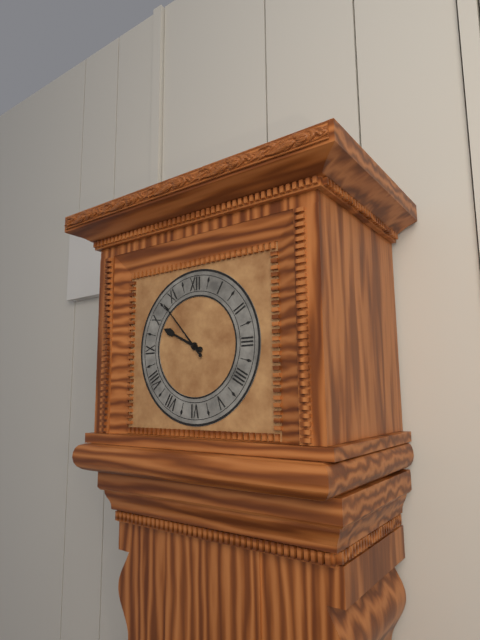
{"hour": 9, "minute": 53}
